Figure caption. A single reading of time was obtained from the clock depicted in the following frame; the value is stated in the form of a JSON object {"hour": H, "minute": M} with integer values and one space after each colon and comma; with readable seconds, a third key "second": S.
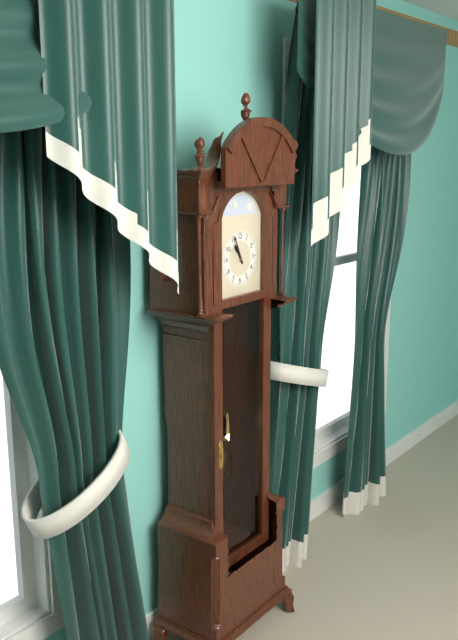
{"hour": 10, "minute": 56}
